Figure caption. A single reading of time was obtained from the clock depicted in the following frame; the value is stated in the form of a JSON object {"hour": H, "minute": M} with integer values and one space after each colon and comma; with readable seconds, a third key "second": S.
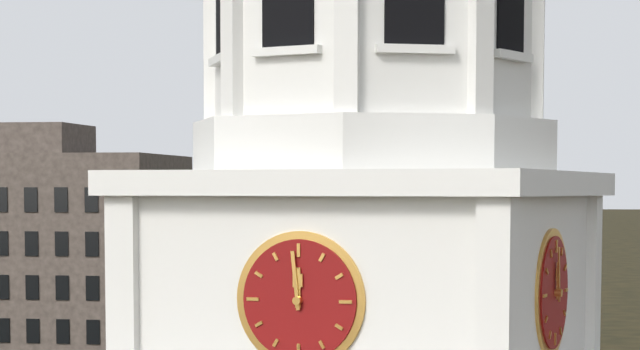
{"hour": 11, "minute": 59}
